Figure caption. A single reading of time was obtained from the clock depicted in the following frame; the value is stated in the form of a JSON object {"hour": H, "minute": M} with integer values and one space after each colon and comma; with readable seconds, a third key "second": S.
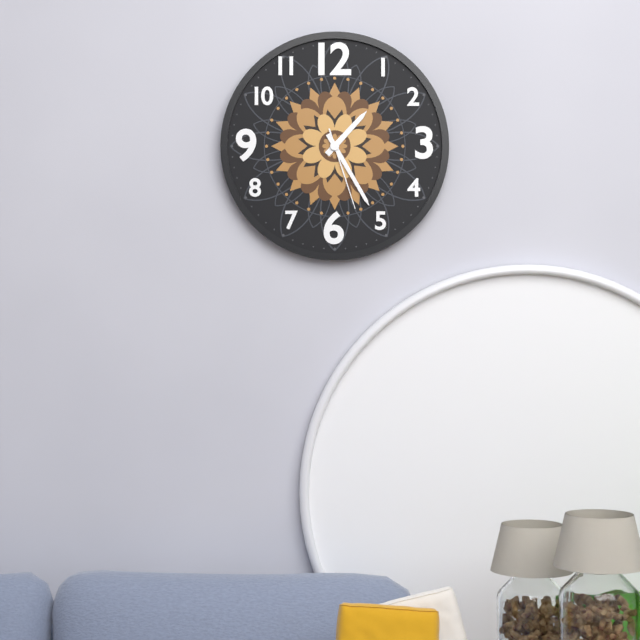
{"hour": 1, "minute": 25, "second": 27}
